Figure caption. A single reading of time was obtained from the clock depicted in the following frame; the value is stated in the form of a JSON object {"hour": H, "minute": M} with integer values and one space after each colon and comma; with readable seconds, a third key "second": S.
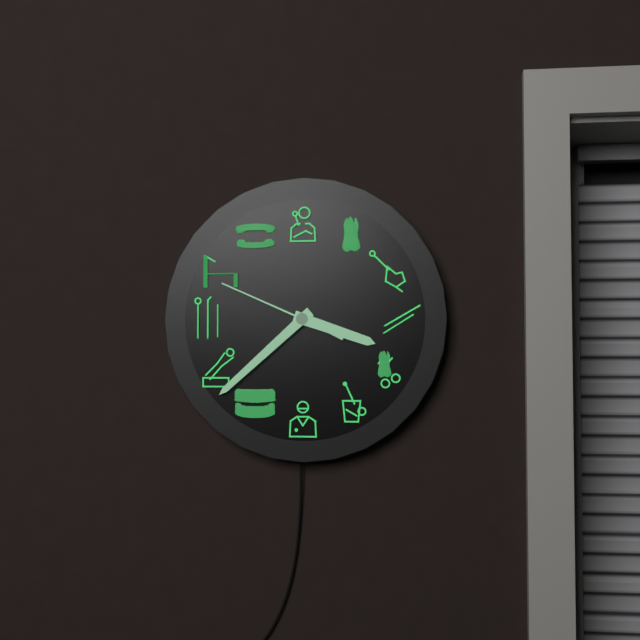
{"hour": 3, "minute": 38, "second": 49}
